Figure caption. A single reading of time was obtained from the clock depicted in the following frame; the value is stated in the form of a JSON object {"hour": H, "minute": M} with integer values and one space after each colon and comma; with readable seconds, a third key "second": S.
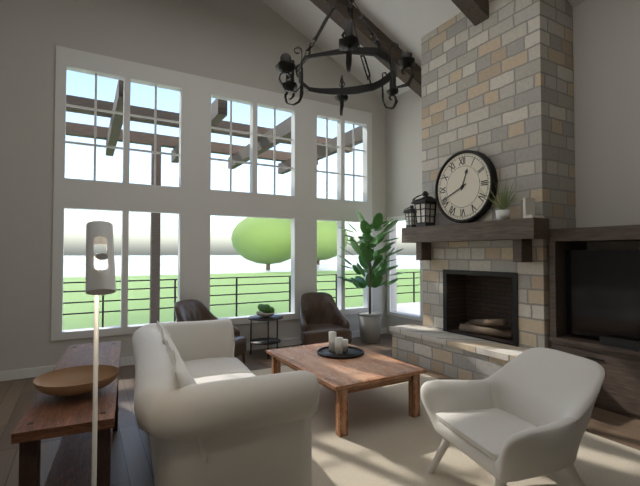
{"hour": 12, "minute": 41}
